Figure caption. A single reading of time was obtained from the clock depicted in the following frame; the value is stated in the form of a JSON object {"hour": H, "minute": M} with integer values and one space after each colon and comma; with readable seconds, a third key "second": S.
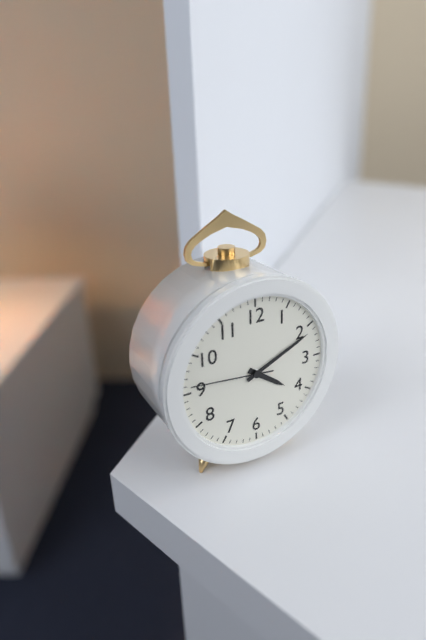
{"hour": 4, "minute": 11, "second": 46}
